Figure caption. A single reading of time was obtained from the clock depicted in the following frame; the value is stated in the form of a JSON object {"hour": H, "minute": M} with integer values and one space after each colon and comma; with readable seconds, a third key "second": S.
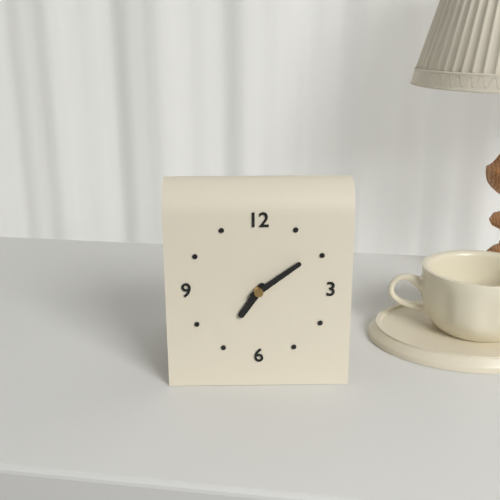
{"hour": 7, "minute": 9}
